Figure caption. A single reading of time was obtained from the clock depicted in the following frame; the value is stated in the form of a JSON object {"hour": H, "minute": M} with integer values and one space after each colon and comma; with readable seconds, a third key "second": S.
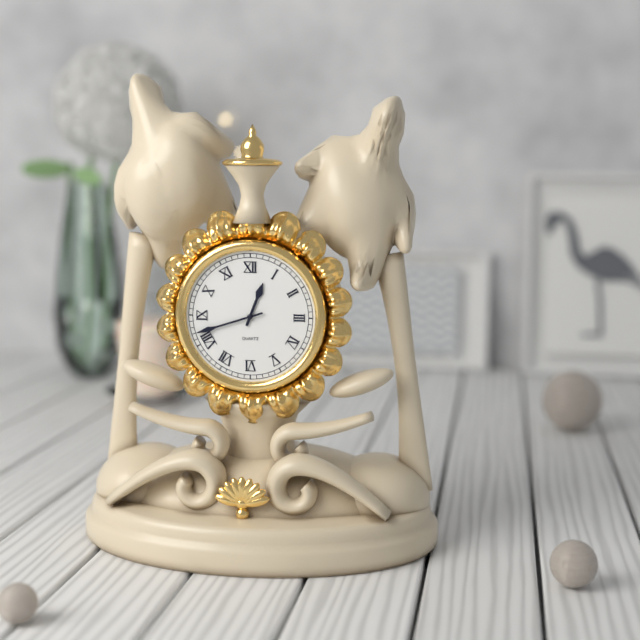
{"hour": 12, "minute": 42}
